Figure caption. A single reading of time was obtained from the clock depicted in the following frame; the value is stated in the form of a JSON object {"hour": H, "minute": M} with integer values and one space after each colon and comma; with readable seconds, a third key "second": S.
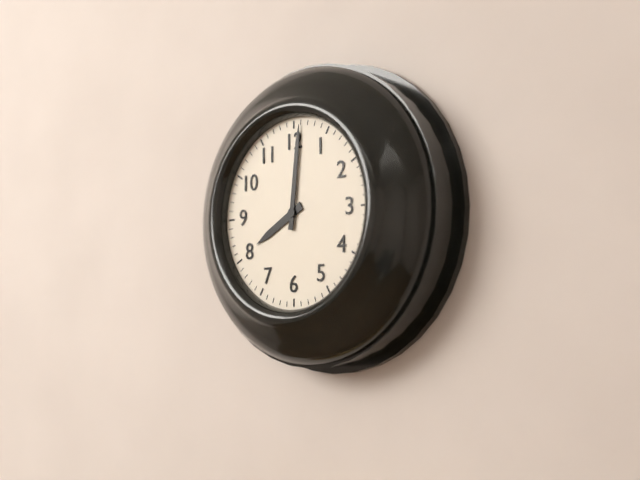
{"hour": 8, "minute": 1}
